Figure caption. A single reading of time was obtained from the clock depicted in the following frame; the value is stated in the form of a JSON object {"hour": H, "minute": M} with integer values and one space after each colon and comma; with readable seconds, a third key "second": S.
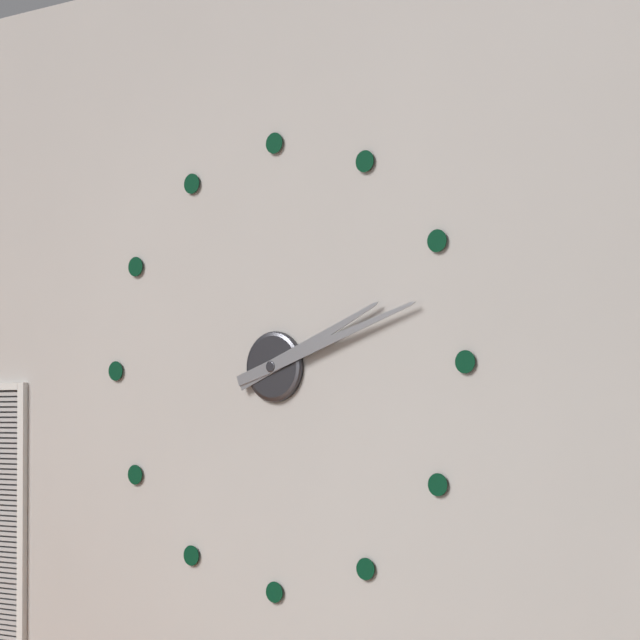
{"hour": 2, "minute": 12}
